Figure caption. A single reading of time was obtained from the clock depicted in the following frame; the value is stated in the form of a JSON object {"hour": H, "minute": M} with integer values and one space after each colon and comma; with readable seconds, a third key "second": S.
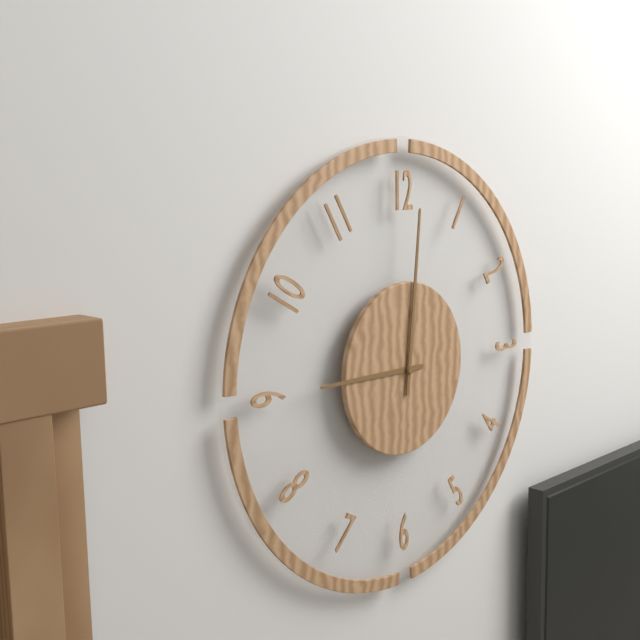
{"hour": 9, "minute": 1}
